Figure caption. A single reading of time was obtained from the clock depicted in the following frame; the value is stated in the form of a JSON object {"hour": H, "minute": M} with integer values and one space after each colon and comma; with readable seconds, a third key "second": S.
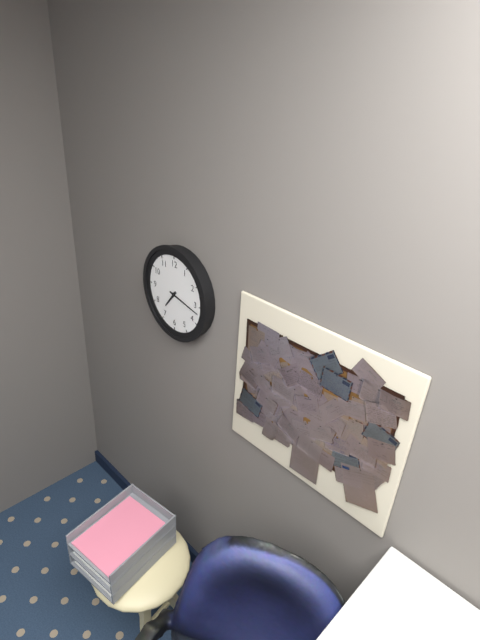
{"hour": 7, "minute": 17}
